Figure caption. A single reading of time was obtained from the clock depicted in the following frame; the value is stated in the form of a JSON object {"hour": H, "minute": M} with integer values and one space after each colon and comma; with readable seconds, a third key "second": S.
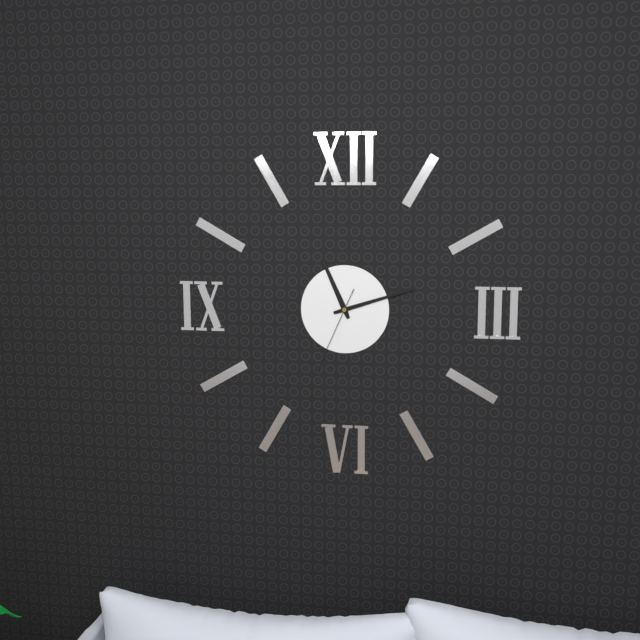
{"hour": 11, "minute": 12, "second": 34}
